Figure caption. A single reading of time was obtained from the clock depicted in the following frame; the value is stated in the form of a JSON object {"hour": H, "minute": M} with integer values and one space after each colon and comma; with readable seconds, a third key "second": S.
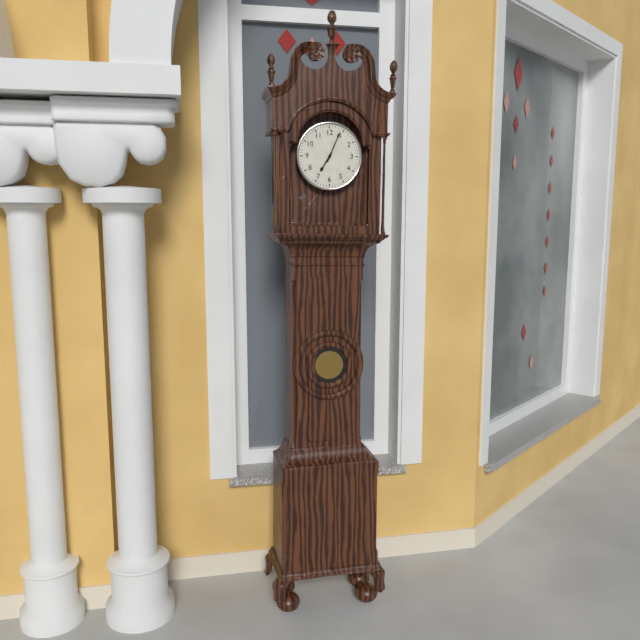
{"hour": 7, "minute": 4}
